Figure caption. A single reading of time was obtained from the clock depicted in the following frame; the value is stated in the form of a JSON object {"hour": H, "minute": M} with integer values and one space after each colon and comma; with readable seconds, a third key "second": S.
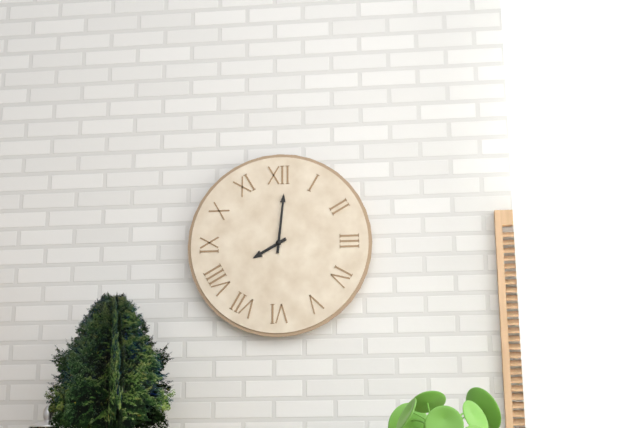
{"hour": 8, "minute": 1}
